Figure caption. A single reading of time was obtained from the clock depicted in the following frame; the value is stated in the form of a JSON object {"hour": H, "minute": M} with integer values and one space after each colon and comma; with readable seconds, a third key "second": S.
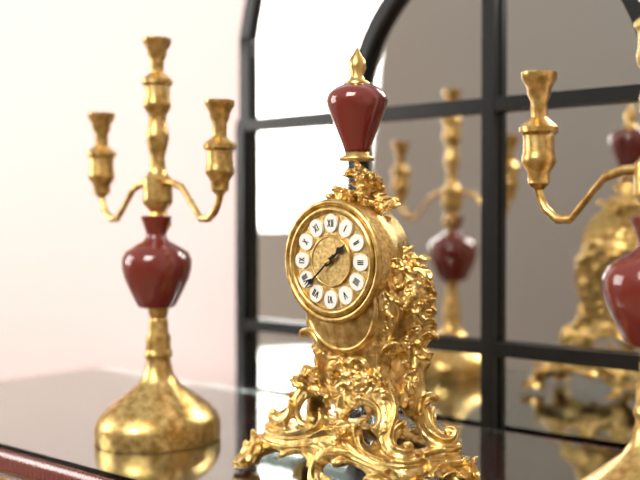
{"hour": 1, "minute": 38}
